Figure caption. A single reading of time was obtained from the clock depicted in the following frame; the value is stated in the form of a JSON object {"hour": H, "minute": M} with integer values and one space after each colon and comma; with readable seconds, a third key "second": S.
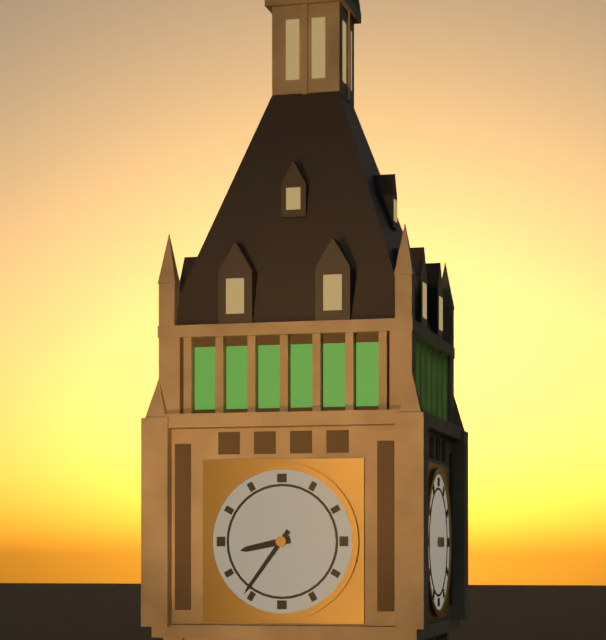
{"hour": 8, "minute": 36}
